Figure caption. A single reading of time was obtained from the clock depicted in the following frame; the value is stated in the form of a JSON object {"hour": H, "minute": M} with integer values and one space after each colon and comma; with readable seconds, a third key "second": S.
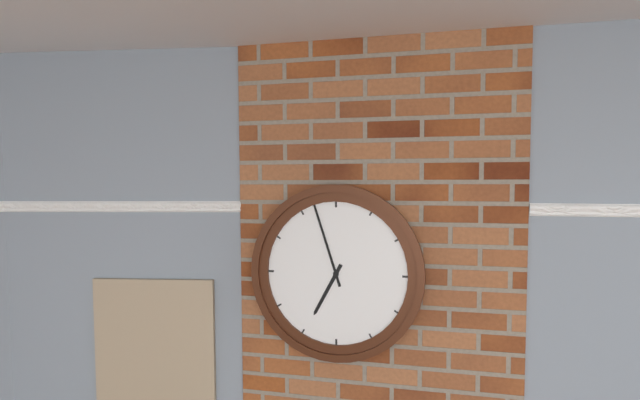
{"hour": 6, "minute": 57}
